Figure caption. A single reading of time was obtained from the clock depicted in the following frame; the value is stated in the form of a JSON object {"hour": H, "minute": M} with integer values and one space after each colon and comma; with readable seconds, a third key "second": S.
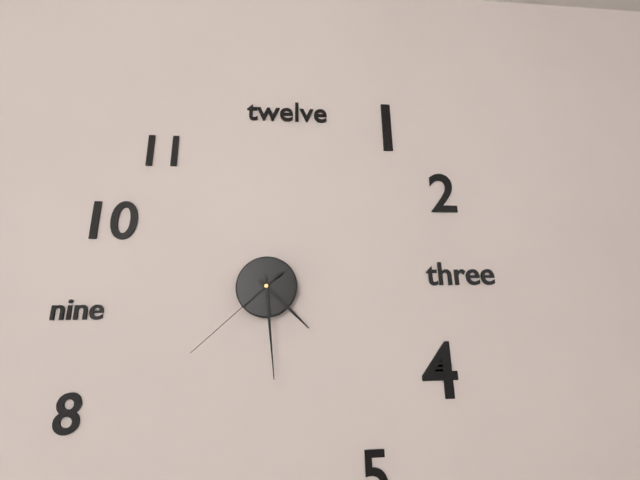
{"hour": 4, "minute": 29, "second": 38}
